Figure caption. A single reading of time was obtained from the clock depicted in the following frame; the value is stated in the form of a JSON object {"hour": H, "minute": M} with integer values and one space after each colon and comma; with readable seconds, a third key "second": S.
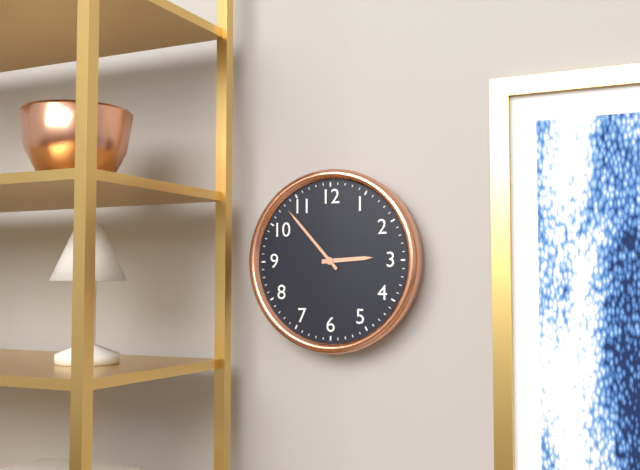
{"hour": 2, "minute": 53}
